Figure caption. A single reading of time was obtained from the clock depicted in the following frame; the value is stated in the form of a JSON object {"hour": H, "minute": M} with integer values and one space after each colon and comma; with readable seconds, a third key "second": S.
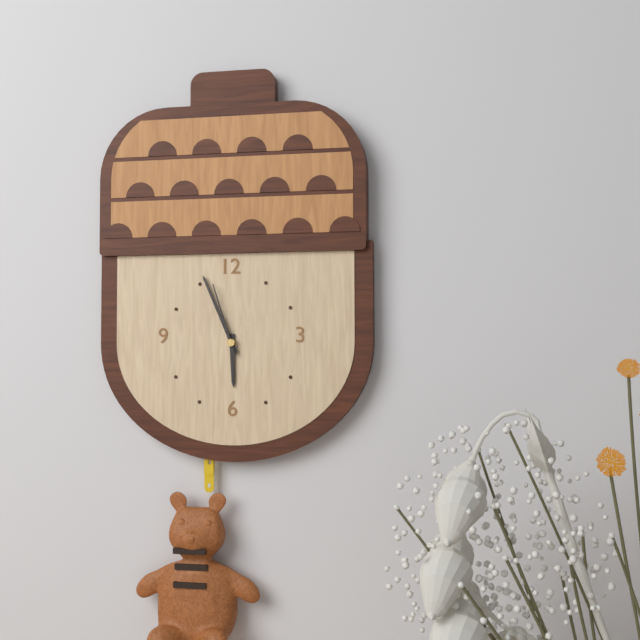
{"hour": 5, "minute": 56, "second": 57}
